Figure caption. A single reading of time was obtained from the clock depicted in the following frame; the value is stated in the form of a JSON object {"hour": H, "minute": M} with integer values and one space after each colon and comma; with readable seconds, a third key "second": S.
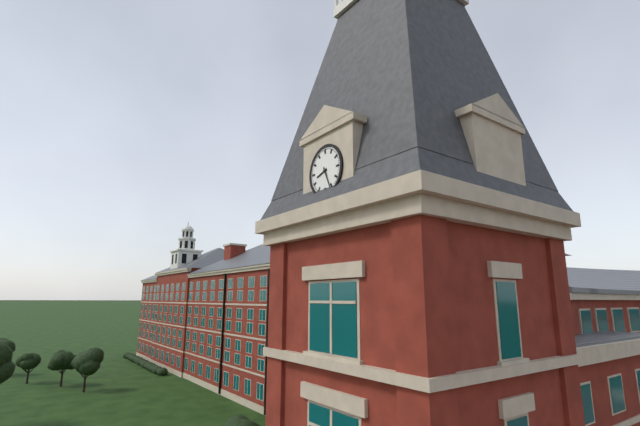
{"hour": 8, "minute": 26}
